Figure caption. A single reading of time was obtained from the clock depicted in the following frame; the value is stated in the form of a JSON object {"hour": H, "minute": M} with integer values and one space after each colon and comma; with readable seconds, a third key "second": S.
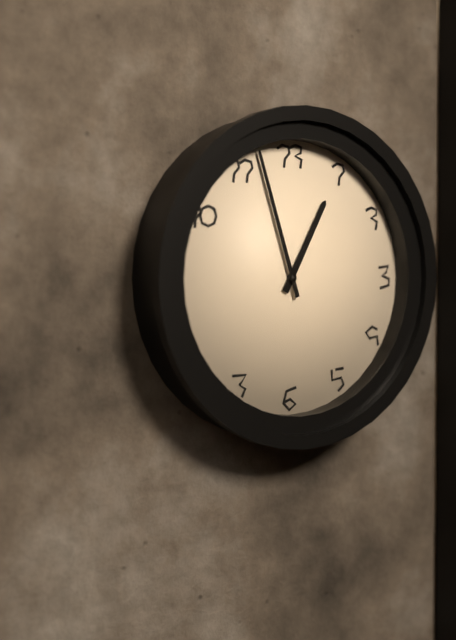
{"hour": 12, "minute": 57}
